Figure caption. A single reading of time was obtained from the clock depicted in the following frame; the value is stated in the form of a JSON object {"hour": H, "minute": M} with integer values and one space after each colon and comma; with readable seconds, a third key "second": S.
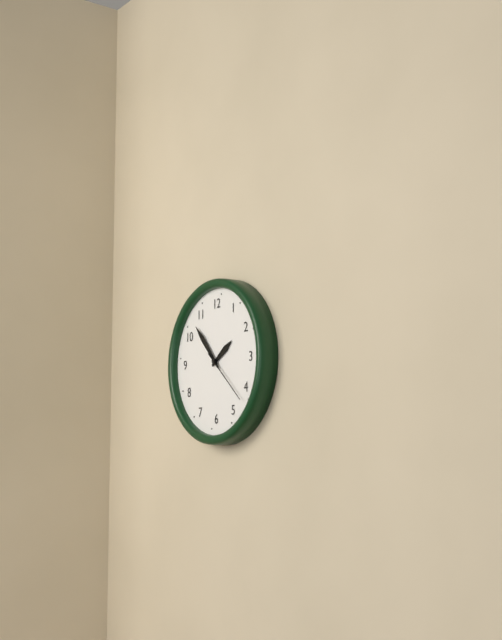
{"hour": 1, "minute": 53}
